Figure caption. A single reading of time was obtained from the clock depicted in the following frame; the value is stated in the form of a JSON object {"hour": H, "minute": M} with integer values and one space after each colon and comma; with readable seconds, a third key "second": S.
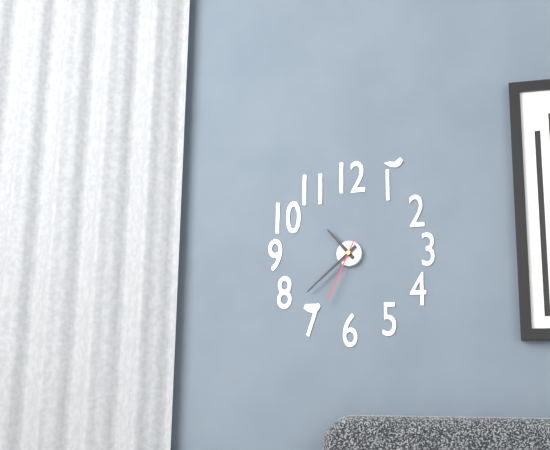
{"hour": 10, "minute": 38, "second": 34}
